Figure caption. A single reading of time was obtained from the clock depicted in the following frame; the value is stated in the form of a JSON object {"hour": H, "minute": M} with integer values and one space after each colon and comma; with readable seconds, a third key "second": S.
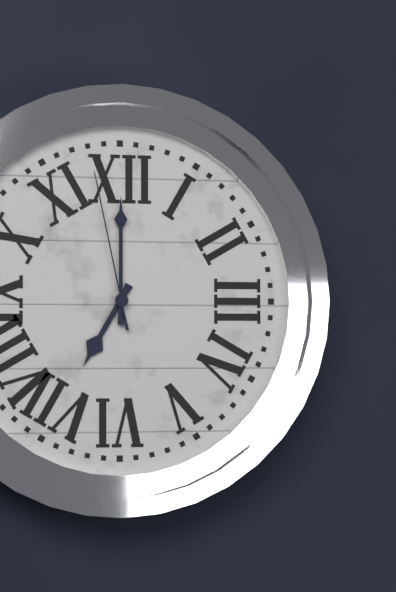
{"hour": 7, "minute": 0, "second": 58}
